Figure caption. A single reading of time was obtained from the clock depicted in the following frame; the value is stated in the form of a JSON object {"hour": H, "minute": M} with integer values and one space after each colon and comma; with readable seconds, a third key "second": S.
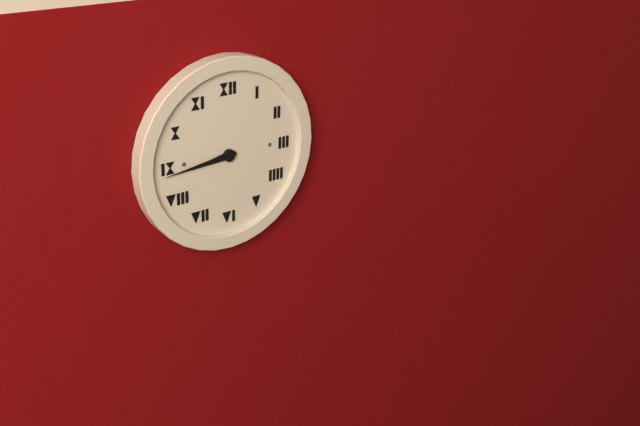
{"hour": 8, "minute": 44}
